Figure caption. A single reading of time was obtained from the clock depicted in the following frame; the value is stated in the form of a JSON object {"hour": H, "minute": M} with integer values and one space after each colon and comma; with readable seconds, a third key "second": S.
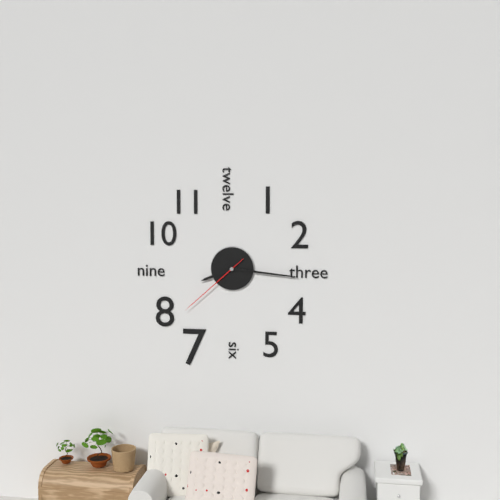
{"hour": 8, "minute": 16, "second": 38}
